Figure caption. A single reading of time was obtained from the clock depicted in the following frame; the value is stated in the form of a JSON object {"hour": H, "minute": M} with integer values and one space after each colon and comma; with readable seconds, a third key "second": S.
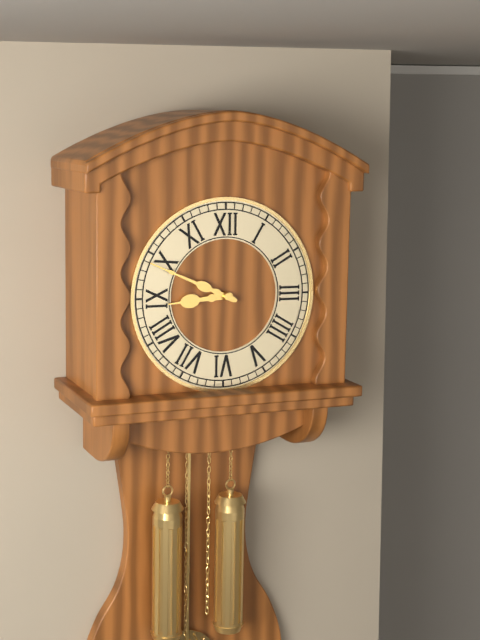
{"hour": 8, "minute": 49}
